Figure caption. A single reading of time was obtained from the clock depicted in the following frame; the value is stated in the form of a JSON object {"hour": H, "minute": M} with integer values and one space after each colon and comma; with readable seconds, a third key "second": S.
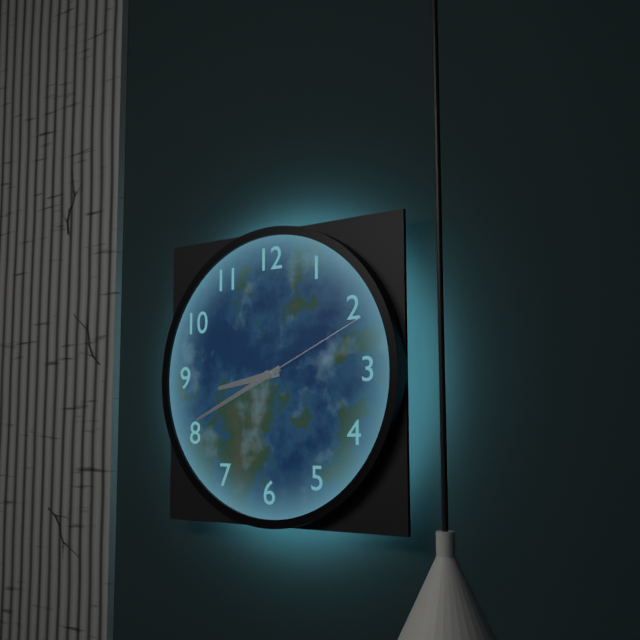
{"hour": 8, "minute": 41, "second": 11}
